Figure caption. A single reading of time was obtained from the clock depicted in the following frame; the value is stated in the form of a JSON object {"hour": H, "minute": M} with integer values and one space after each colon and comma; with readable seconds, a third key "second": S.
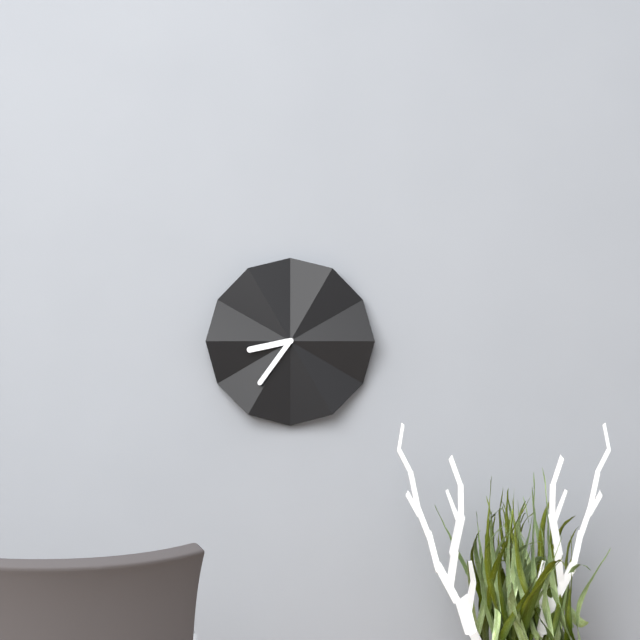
{"hour": 8, "minute": 36}
